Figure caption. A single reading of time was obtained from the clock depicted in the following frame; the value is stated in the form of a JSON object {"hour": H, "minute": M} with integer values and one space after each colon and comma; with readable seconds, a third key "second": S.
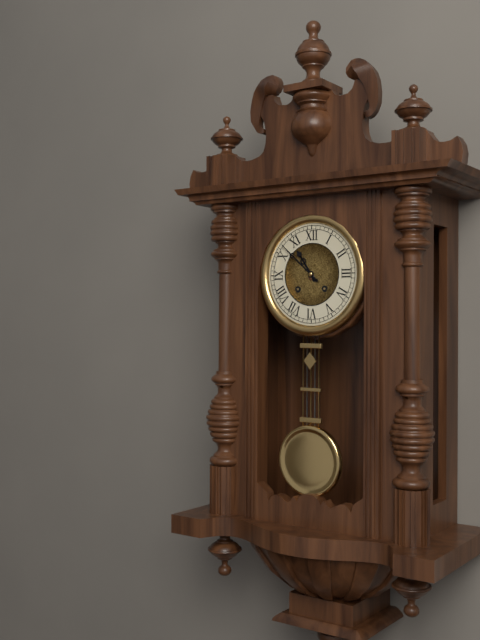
{"hour": 10, "minute": 52}
